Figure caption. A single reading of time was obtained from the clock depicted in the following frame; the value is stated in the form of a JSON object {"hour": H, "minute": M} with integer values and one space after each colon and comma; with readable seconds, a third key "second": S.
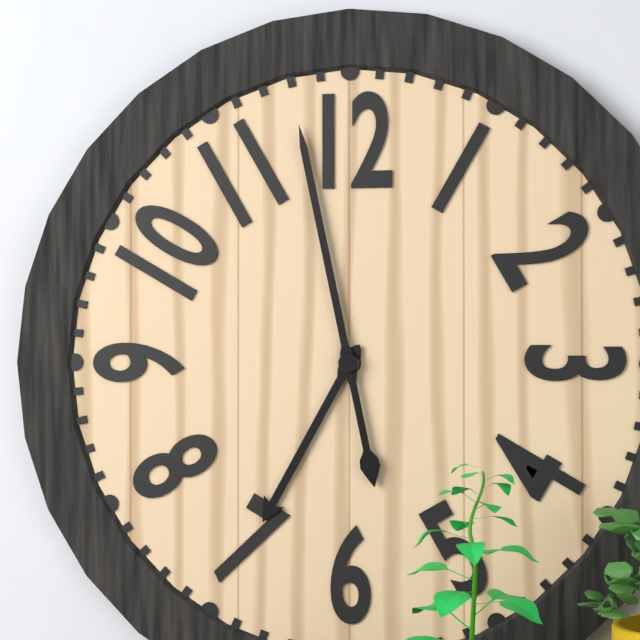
{"hour": 6, "minute": 58}
